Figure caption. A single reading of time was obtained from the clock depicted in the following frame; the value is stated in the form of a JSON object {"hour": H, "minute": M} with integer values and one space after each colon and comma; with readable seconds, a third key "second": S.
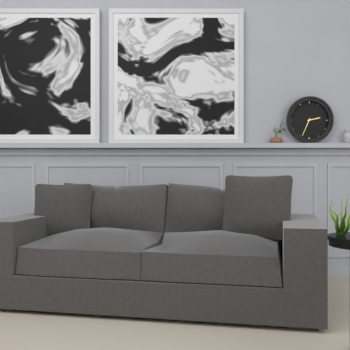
{"hour": 2, "minute": 34}
